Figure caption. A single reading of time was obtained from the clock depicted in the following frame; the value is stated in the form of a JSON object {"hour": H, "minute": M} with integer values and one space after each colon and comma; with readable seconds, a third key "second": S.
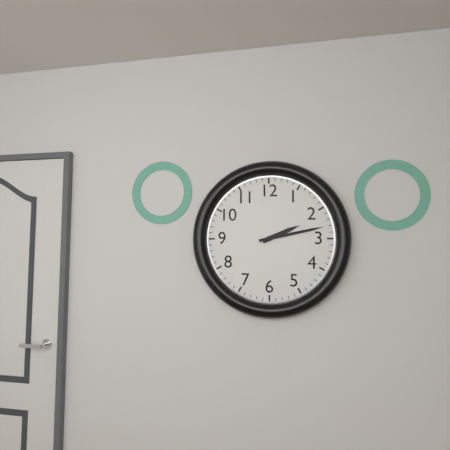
{"hour": 2, "minute": 13}
